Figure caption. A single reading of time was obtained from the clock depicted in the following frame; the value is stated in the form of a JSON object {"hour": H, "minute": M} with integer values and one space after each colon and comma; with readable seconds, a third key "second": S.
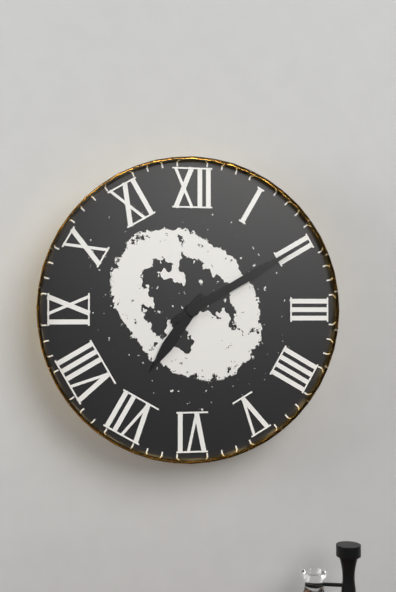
{"hour": 7, "minute": 10}
